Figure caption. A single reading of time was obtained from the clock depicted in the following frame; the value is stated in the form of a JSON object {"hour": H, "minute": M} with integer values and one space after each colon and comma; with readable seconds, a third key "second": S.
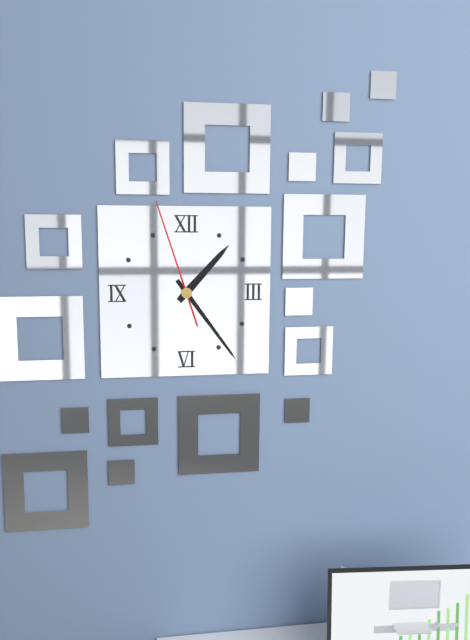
{"hour": 1, "minute": 24, "second": 57}
